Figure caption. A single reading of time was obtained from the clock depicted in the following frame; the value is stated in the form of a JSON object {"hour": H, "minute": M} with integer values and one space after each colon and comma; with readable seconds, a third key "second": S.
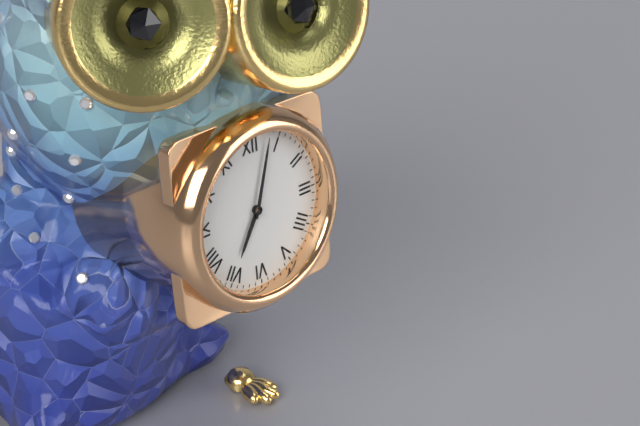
{"hour": 7, "minute": 3}
